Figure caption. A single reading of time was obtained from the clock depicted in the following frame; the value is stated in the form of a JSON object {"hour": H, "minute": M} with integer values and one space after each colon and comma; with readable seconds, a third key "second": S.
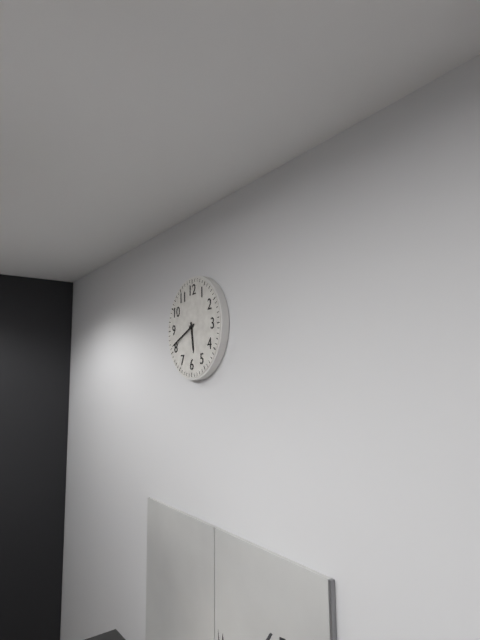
{"hour": 5, "minute": 41}
